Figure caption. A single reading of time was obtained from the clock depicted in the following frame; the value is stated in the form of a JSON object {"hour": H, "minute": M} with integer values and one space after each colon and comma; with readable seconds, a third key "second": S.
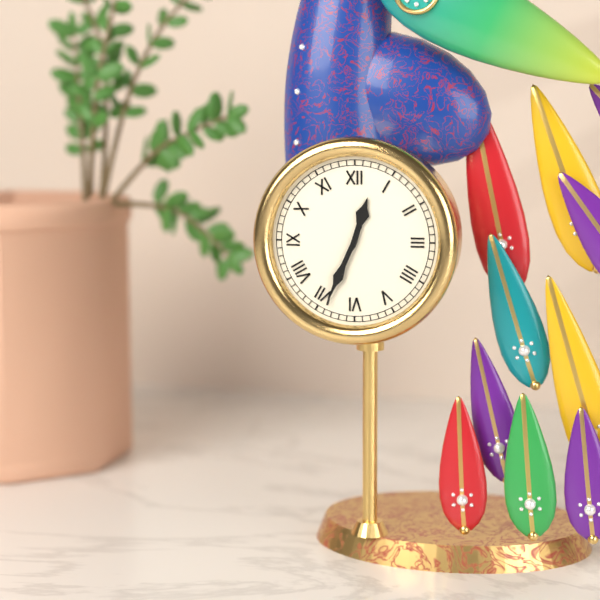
{"hour": 12, "minute": 34}
